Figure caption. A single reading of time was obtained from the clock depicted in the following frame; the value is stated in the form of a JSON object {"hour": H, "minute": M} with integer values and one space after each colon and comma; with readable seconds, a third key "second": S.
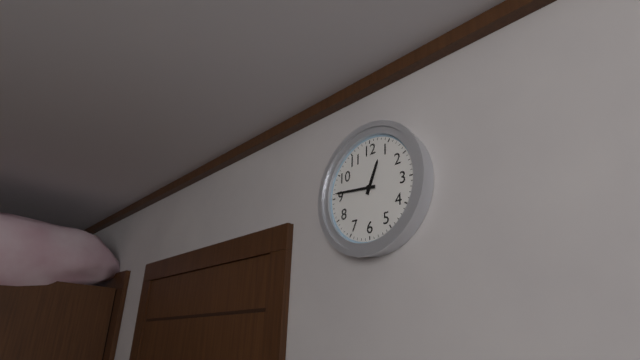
{"hour": 12, "minute": 46}
